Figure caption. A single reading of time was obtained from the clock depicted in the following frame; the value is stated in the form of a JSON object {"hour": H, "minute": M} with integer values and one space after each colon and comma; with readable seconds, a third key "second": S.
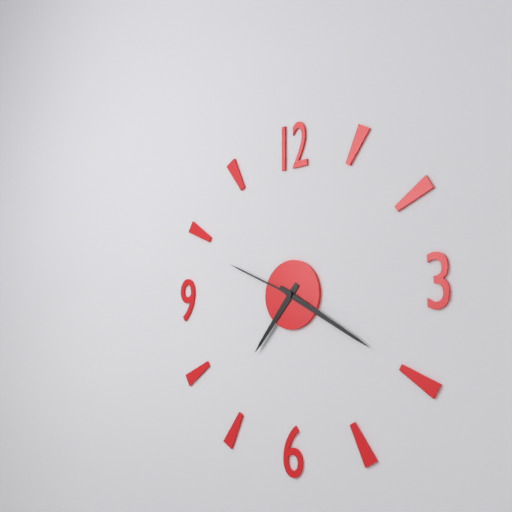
{"hour": 7, "minute": 20, "second": 49}
